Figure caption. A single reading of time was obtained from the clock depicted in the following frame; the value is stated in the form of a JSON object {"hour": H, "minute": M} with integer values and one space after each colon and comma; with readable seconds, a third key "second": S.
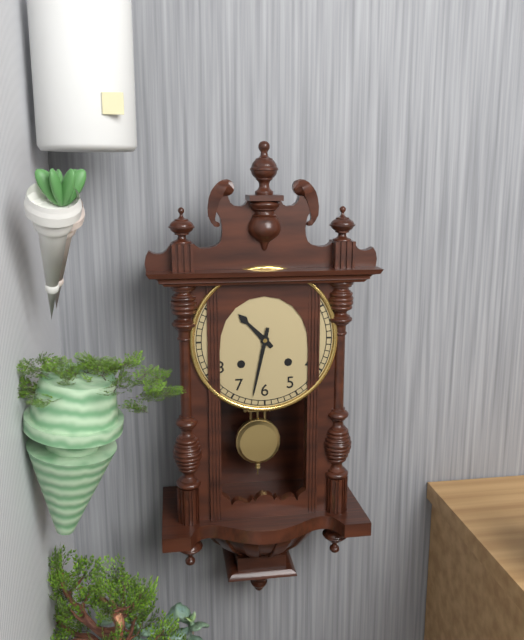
{"hour": 10, "minute": 32}
